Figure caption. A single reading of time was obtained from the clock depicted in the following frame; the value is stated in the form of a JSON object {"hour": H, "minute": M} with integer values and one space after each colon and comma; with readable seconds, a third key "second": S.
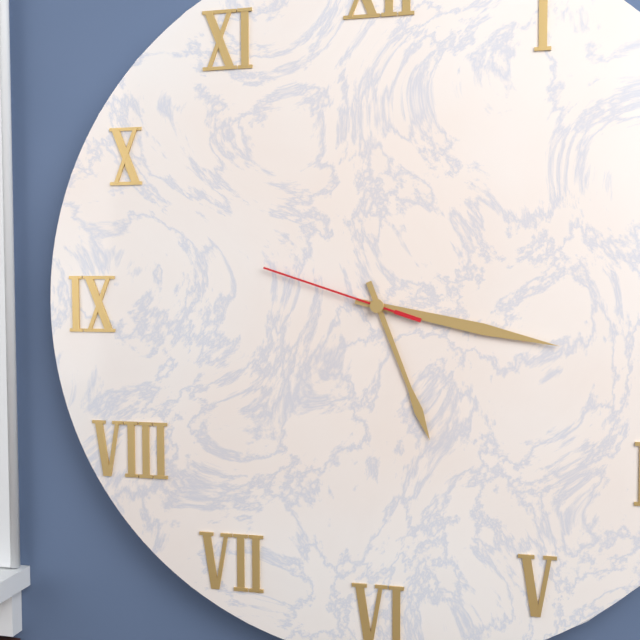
{"hour": 5, "minute": 17, "second": 48}
